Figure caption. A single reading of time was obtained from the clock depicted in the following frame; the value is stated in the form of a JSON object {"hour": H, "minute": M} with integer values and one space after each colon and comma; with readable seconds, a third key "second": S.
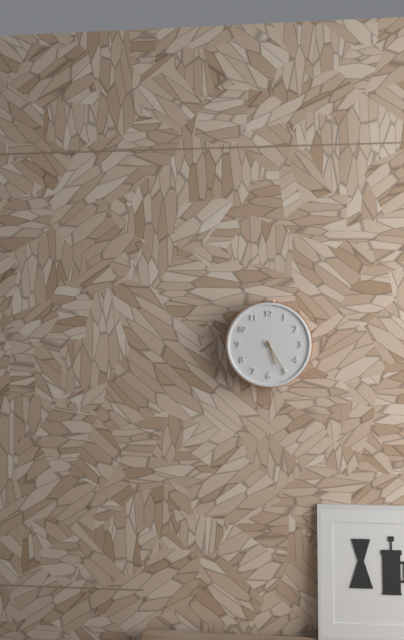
{"hour": 5, "minute": 25}
